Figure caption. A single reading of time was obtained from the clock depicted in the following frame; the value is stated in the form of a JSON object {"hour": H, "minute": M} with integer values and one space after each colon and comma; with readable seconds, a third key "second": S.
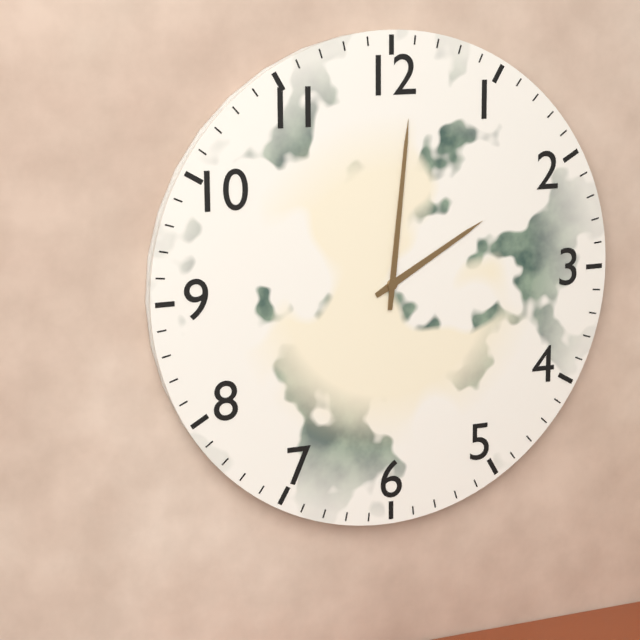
{"hour": 2, "minute": 1}
